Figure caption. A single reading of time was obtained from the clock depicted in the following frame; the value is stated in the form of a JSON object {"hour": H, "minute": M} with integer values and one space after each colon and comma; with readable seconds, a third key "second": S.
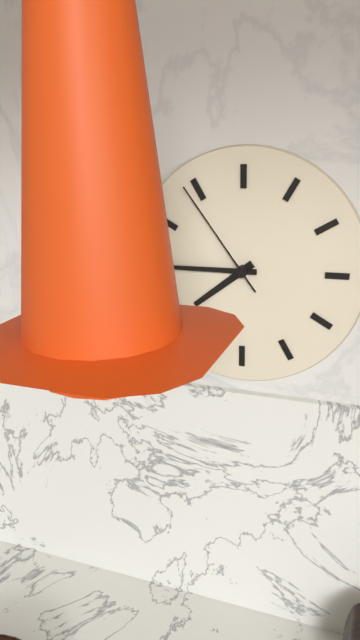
{"hour": 7, "minute": 45, "second": 54}
